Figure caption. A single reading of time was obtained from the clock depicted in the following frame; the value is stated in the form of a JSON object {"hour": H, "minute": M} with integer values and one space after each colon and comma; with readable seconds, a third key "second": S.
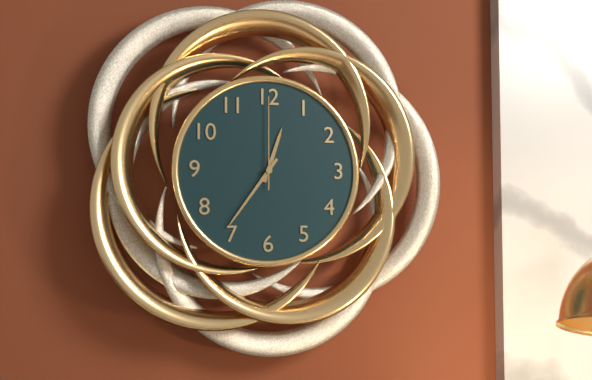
{"hour": 12, "minute": 36, "second": 0}
